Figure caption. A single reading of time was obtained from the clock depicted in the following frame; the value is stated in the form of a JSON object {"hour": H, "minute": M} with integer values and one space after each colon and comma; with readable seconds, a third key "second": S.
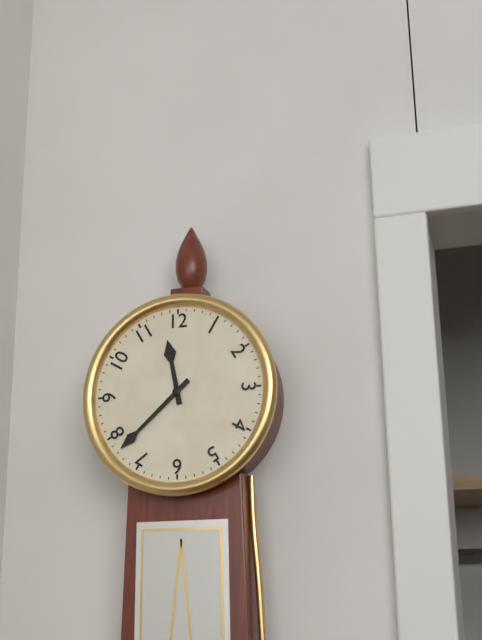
{"hour": 11, "minute": 38}
